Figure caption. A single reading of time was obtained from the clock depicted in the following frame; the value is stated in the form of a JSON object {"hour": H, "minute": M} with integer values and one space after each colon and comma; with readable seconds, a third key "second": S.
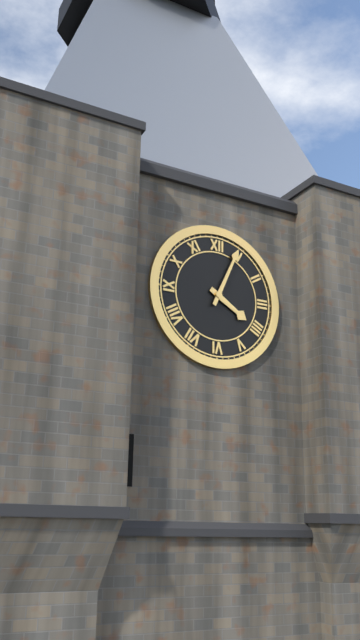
{"hour": 4, "minute": 4}
